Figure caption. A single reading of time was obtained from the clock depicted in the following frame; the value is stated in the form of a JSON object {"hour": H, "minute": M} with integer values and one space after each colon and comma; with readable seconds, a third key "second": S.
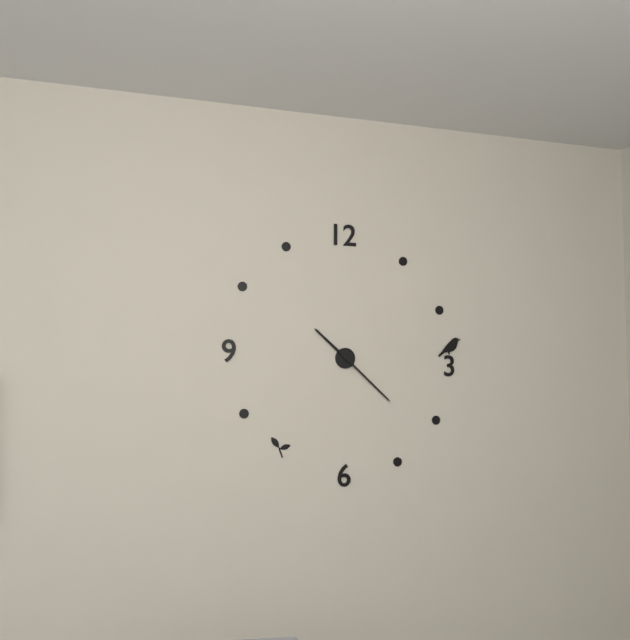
{"hour": 10, "minute": 22}
